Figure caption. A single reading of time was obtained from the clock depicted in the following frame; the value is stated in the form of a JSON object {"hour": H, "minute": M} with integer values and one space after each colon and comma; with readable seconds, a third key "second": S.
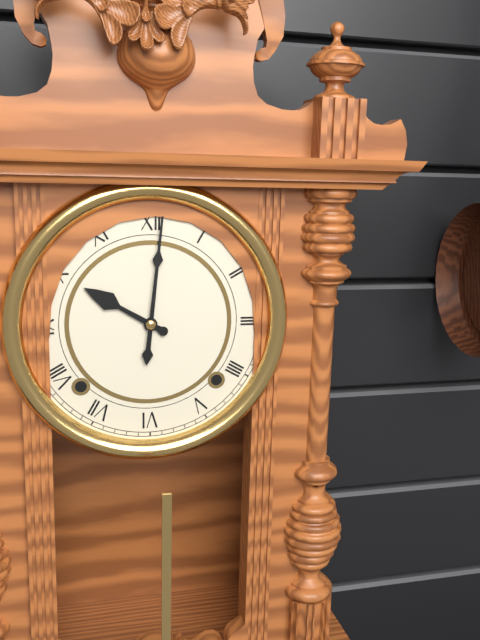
{"hour": 10, "minute": 1}
